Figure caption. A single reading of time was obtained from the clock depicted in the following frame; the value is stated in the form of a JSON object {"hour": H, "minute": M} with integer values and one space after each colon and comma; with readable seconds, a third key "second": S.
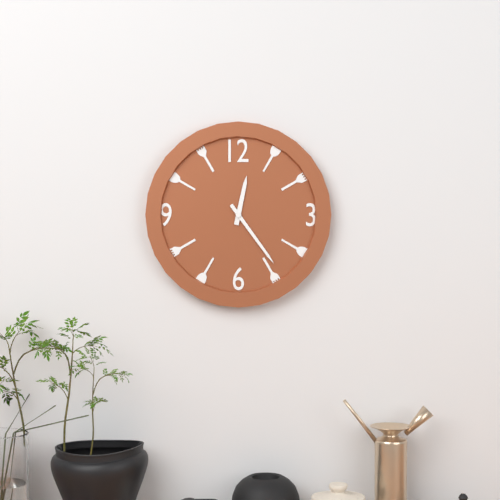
{"hour": 12, "minute": 24}
